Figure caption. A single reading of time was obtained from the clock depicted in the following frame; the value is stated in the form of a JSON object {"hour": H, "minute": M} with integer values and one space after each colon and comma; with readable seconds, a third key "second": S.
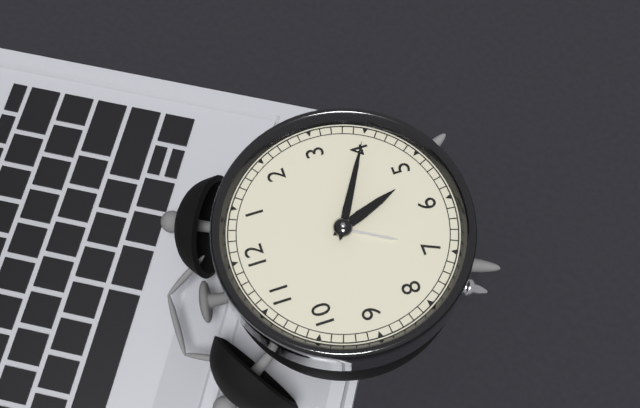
{"hour": 5, "minute": 20}
